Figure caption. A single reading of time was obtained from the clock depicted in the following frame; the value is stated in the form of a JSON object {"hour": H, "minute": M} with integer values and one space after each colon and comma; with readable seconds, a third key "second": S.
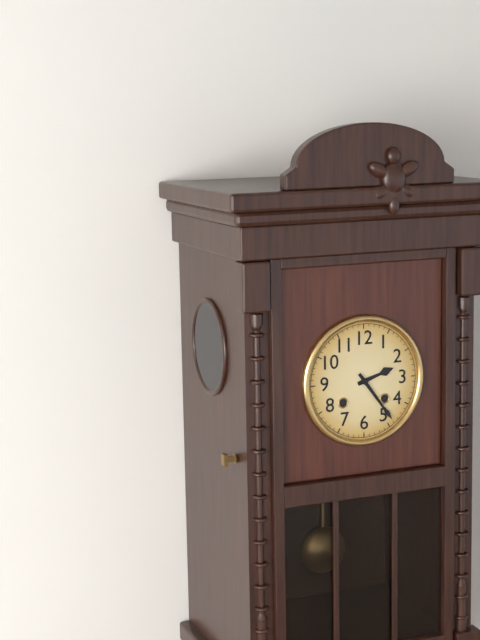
{"hour": 2, "minute": 24}
